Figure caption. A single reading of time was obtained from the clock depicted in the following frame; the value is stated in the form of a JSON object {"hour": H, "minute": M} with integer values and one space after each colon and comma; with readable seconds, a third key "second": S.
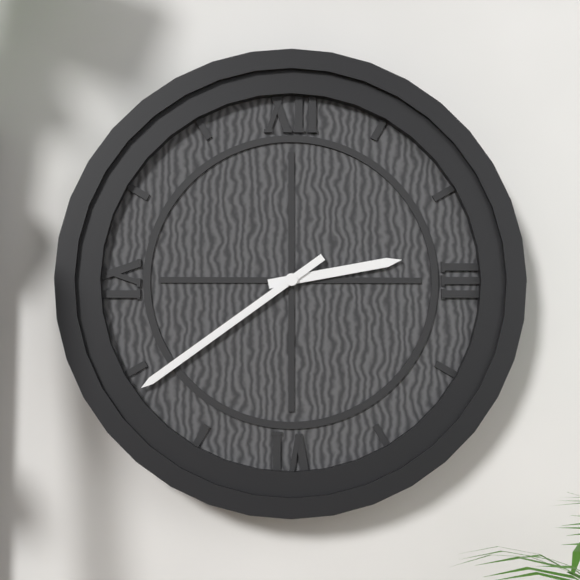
{"hour": 2, "minute": 39}
